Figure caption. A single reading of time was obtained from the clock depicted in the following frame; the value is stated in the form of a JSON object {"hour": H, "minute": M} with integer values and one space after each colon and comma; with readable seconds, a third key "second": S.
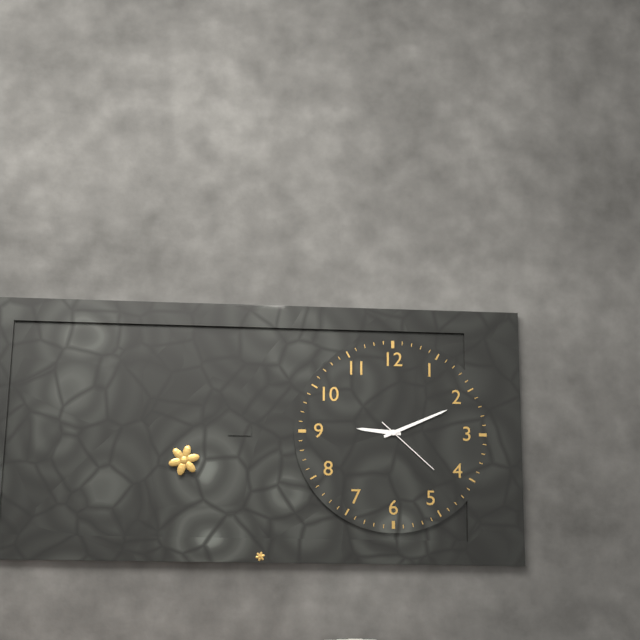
{"hour": 9, "minute": 11, "second": 22}
